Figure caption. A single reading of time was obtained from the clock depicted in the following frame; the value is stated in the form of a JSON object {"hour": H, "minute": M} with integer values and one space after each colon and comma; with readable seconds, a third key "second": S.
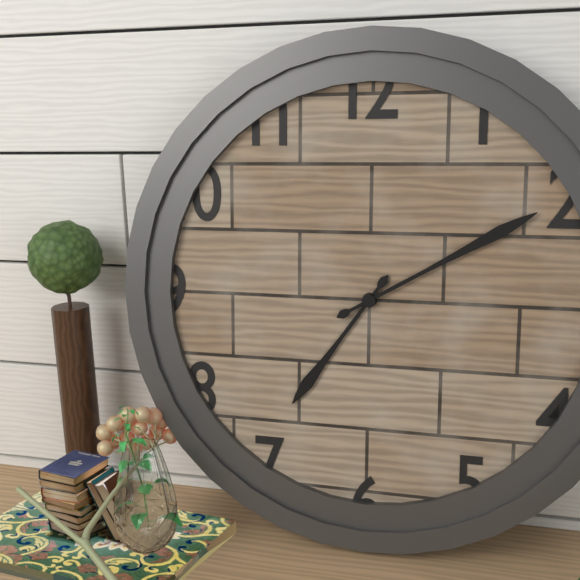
{"hour": 7, "minute": 10}
